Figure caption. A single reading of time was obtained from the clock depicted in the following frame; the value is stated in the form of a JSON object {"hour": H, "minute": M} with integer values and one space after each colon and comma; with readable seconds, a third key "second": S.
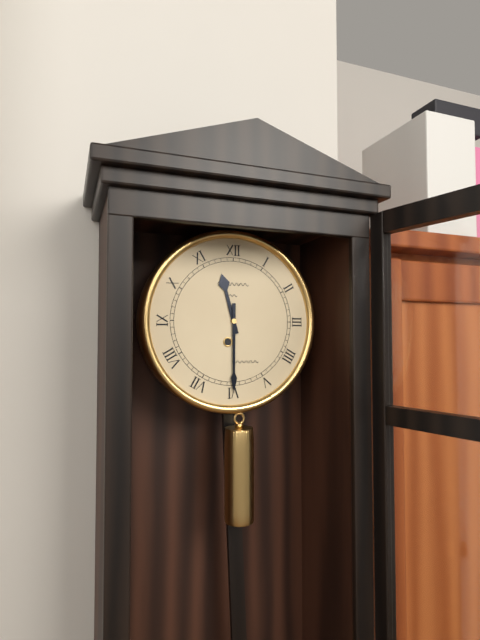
{"hour": 11, "minute": 30}
